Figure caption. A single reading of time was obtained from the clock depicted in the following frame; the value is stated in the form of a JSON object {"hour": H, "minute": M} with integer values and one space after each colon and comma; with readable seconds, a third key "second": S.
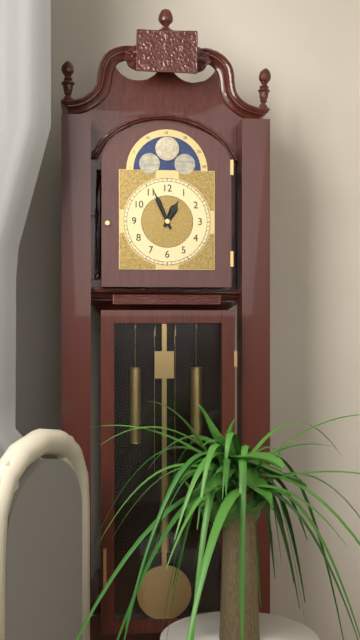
{"hour": 12, "minute": 56}
